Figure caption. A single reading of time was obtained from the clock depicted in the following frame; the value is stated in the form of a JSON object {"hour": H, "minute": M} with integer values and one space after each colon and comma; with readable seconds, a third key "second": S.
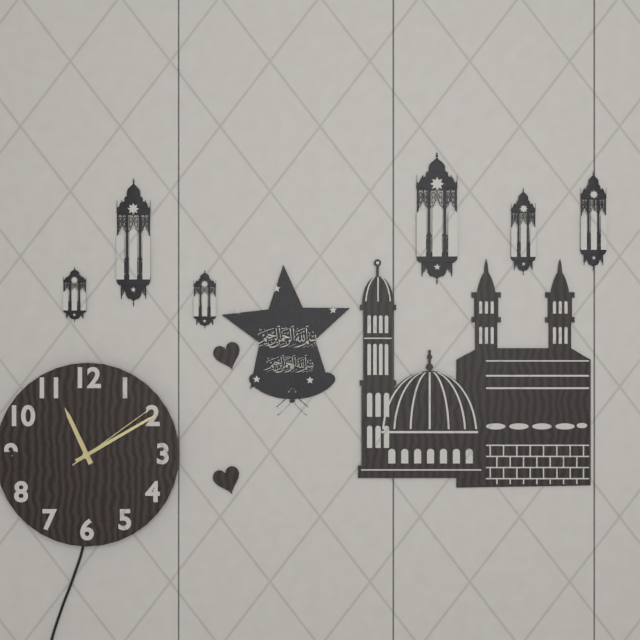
{"hour": 11, "minute": 10, "second": 9}
